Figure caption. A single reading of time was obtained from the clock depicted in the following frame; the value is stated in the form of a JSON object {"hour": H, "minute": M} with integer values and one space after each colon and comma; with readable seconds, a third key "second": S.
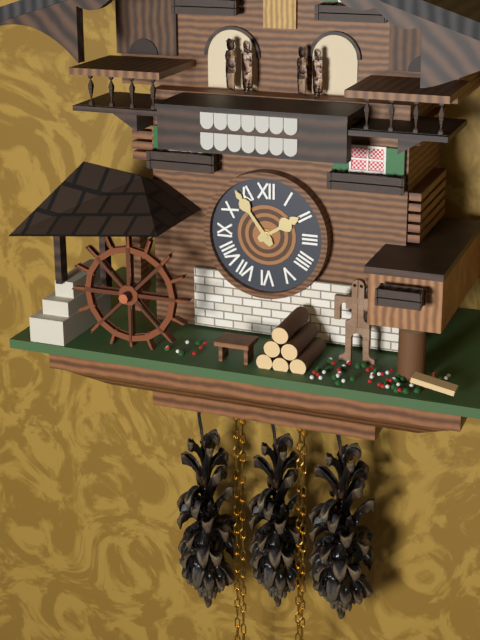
{"hour": 1, "minute": 54}
